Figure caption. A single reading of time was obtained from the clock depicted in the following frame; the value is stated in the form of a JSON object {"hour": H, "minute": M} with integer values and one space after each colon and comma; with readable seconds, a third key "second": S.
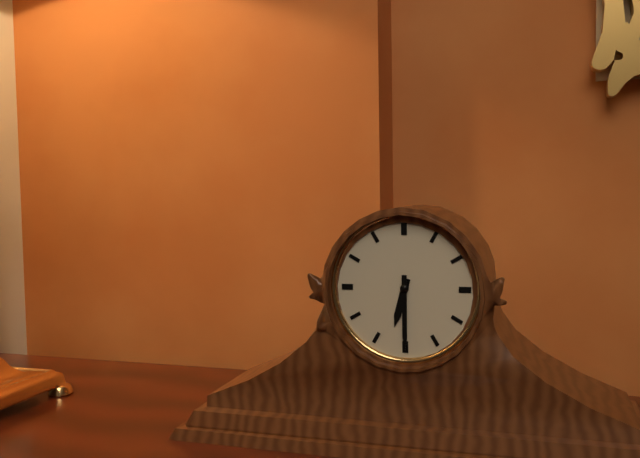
{"hour": 6, "minute": 30}
